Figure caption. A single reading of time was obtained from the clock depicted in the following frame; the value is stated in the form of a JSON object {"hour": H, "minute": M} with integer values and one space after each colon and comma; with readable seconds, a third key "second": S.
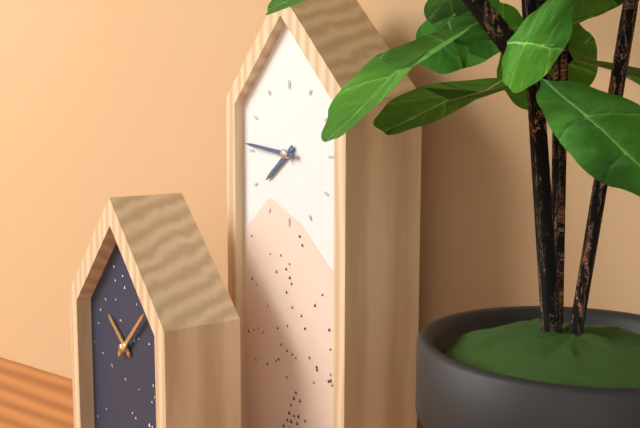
{"hour": 7, "minute": 46}
